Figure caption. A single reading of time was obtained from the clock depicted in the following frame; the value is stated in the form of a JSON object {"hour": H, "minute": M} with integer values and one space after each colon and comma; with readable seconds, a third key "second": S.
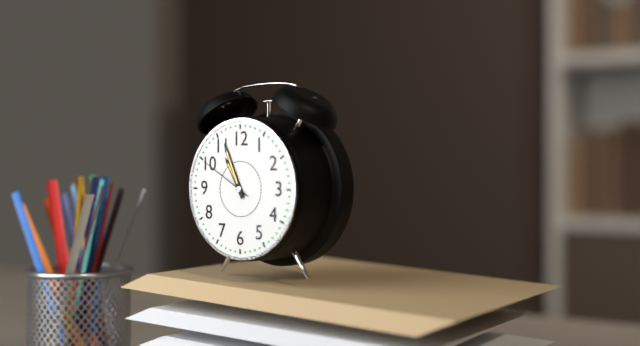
{"hour": 10, "minute": 56, "second": 50}
